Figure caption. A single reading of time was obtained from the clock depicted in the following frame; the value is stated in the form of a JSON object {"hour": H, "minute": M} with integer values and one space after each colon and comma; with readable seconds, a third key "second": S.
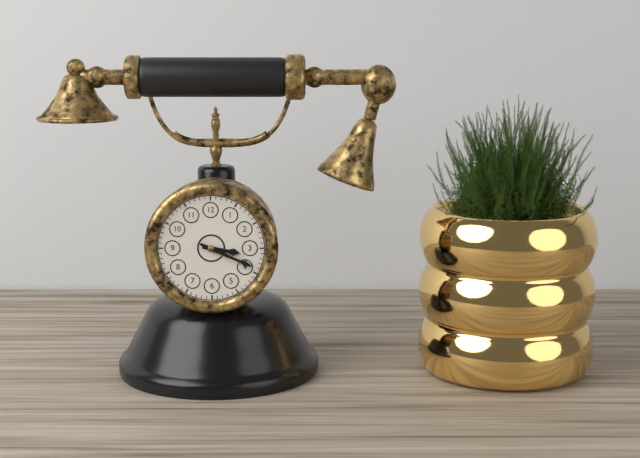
{"hour": 3, "minute": 19}
